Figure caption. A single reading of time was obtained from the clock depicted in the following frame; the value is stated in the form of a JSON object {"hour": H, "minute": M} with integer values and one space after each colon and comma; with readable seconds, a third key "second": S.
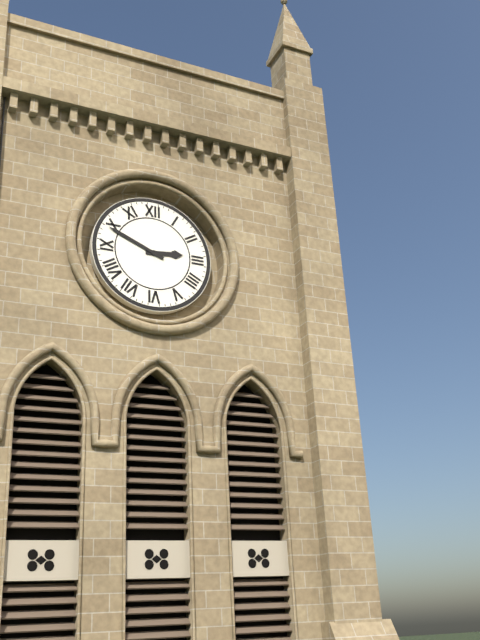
{"hour": 2, "minute": 49}
